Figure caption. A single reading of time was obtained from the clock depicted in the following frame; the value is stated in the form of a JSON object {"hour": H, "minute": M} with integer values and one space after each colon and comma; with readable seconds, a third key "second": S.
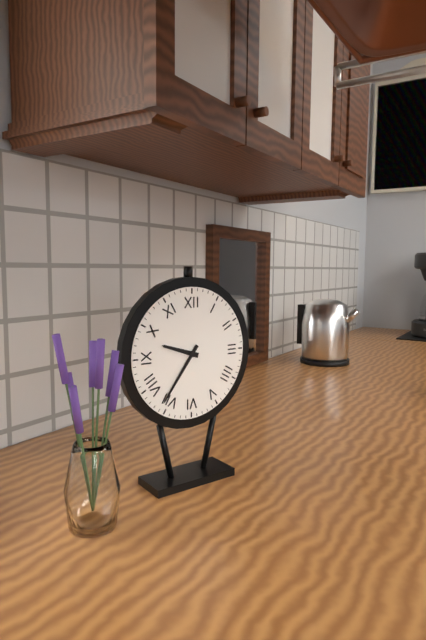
{"hour": 9, "minute": 36}
